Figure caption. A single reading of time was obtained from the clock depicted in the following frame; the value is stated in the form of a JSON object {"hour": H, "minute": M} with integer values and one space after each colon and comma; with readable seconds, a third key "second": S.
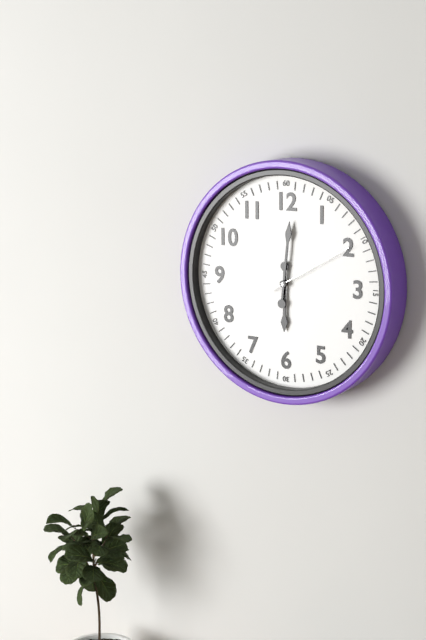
{"hour": 6, "minute": 1, "second": 10}
